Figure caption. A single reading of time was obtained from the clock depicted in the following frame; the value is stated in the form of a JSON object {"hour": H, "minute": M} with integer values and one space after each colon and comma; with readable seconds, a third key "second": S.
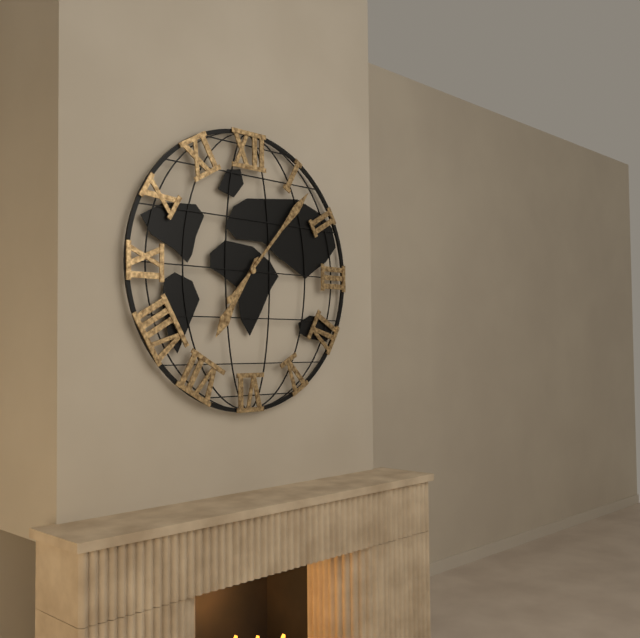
{"hour": 7, "minute": 7}
